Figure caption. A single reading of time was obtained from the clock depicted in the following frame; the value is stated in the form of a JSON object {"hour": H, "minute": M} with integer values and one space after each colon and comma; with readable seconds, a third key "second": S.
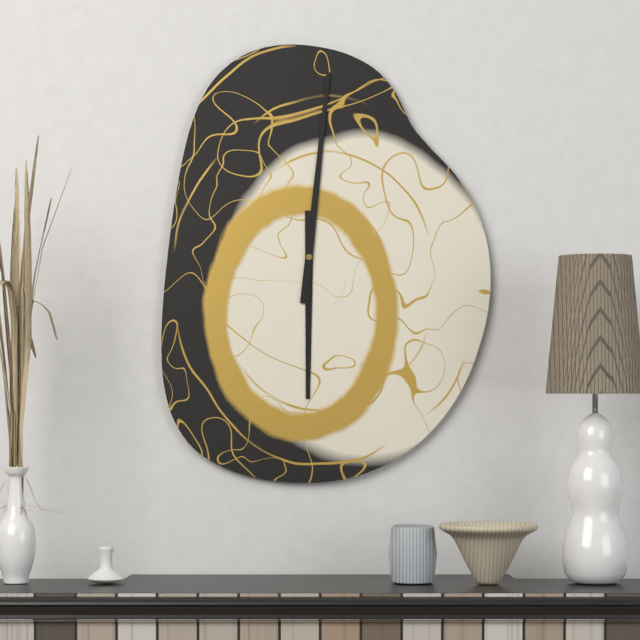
{"hour": 6, "minute": 1}
